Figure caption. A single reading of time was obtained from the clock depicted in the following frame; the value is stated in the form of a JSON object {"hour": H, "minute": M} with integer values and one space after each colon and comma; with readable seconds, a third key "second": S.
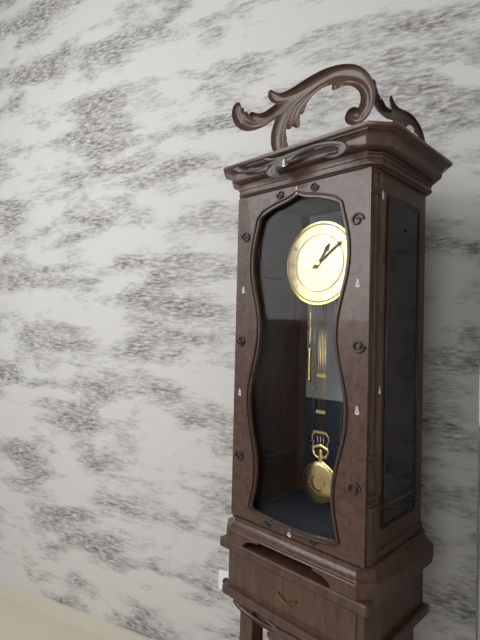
{"hour": 1, "minute": 9}
